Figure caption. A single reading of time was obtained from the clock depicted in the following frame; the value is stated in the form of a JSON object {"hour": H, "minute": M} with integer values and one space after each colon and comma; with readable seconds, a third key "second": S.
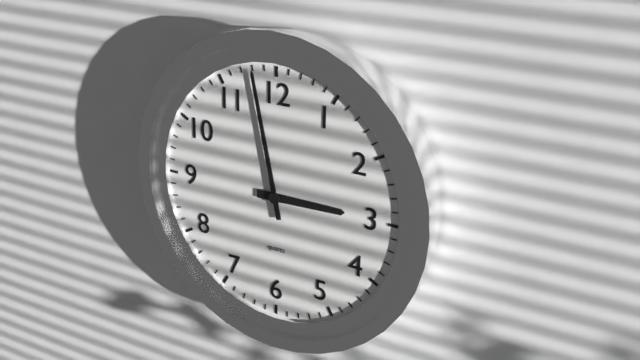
{"hour": 2, "minute": 58}
